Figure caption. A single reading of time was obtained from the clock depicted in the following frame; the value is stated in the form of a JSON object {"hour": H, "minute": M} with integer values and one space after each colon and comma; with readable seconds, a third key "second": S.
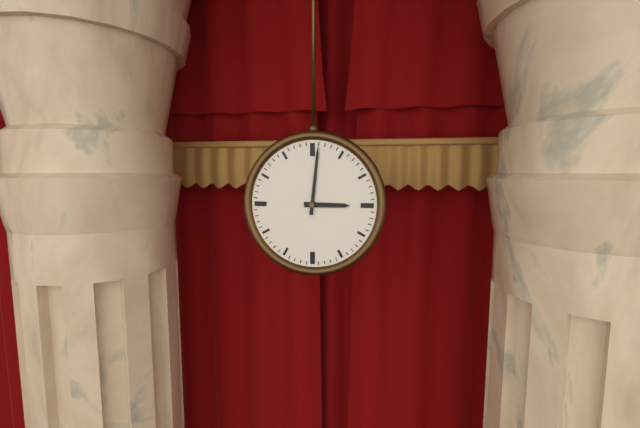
{"hour": 3, "minute": 1}
